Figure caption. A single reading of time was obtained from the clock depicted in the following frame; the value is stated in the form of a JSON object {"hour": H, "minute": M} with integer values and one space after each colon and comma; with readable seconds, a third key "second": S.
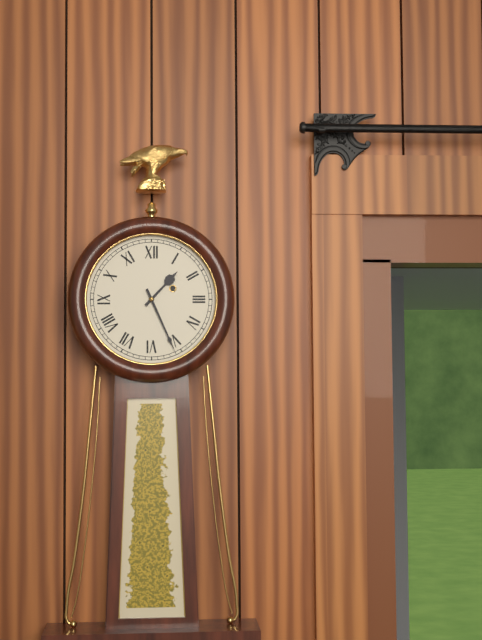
{"hour": 1, "minute": 26}
